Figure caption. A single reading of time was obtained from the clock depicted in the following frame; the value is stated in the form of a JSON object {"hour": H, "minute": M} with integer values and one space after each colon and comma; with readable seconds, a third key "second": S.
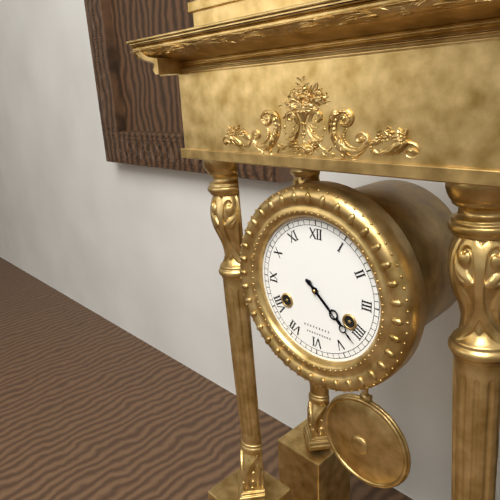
{"hour": 4, "minute": 22}
